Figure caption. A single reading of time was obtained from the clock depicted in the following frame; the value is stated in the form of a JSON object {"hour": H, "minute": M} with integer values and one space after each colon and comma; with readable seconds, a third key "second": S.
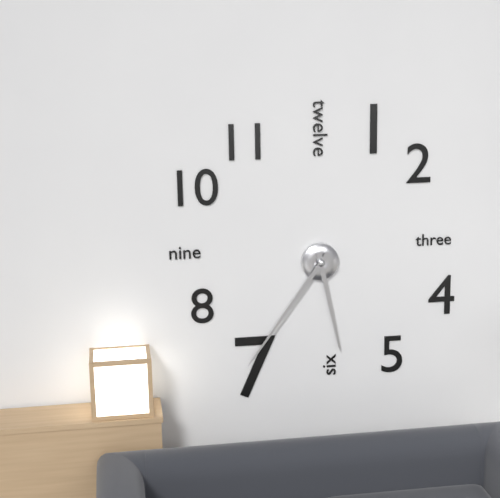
{"hour": 5, "minute": 36}
